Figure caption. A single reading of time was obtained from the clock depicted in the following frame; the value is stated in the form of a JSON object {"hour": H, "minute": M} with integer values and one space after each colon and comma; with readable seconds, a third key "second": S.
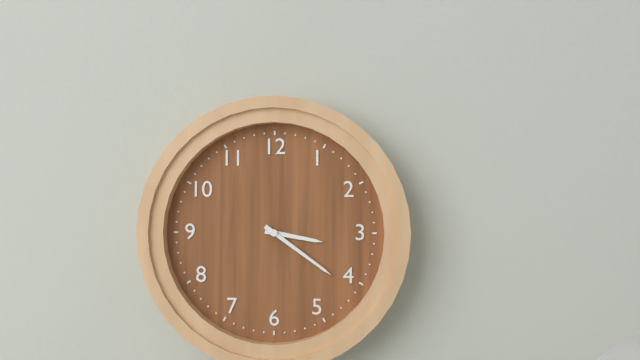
{"hour": 3, "minute": 21}
